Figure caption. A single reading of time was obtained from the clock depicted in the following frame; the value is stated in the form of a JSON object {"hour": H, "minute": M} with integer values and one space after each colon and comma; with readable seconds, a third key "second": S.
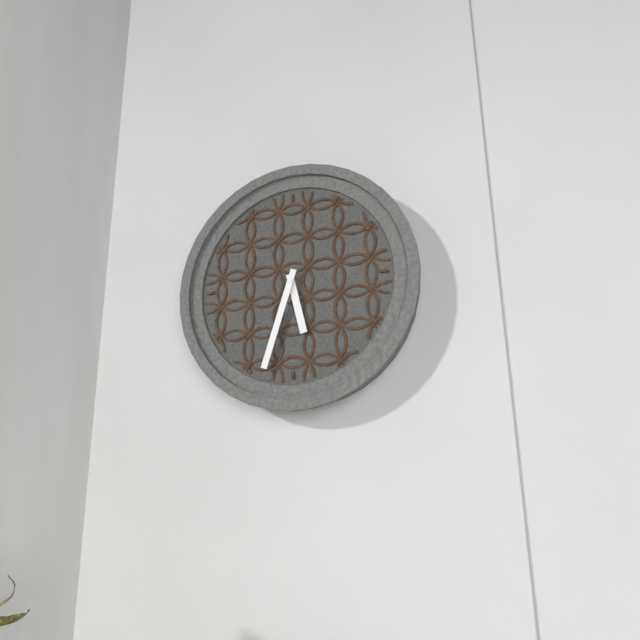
{"hour": 5, "minute": 33}
